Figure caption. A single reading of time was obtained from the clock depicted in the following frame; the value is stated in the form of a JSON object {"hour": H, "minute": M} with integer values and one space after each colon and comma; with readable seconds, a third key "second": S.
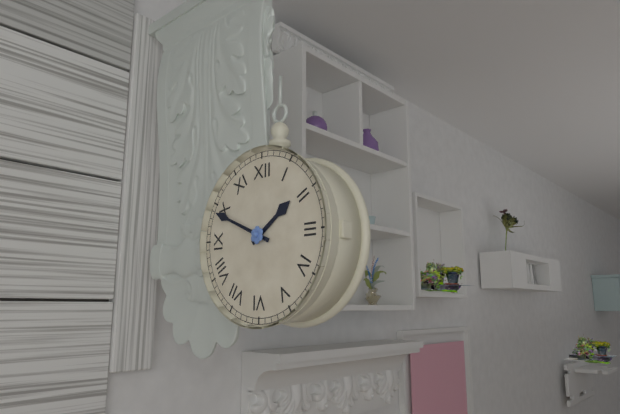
{"hour": 1, "minute": 49}
